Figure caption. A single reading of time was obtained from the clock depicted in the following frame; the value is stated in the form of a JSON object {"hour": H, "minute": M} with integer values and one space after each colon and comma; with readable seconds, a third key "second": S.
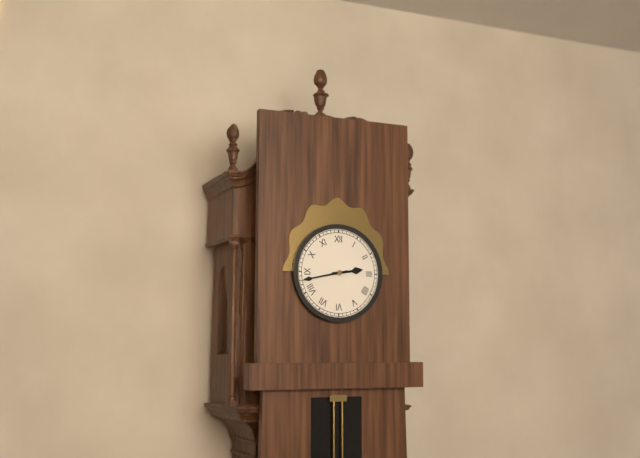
{"hour": 2, "minute": 43}
